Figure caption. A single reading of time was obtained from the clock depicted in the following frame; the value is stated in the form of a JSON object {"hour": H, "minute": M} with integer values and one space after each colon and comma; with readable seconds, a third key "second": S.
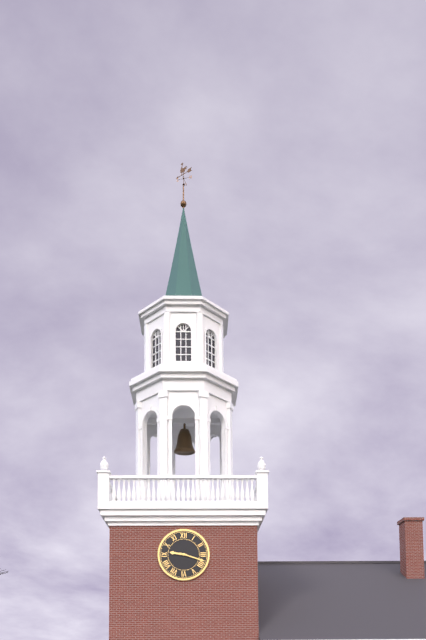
{"hour": 9, "minute": 18}
